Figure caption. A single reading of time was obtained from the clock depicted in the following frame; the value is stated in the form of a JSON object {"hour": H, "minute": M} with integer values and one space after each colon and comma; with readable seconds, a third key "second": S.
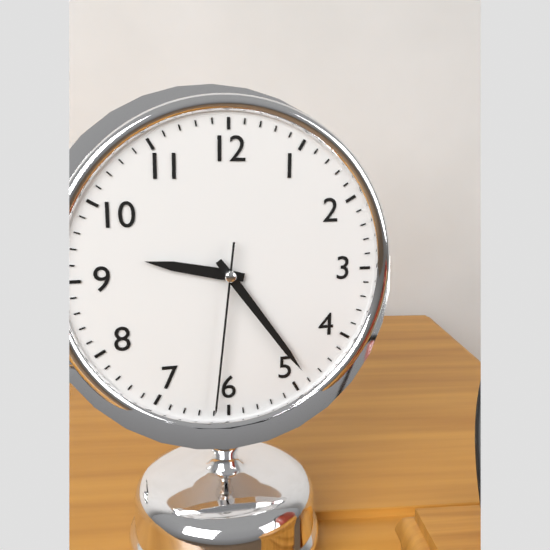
{"hour": 9, "minute": 24, "second": 31}
